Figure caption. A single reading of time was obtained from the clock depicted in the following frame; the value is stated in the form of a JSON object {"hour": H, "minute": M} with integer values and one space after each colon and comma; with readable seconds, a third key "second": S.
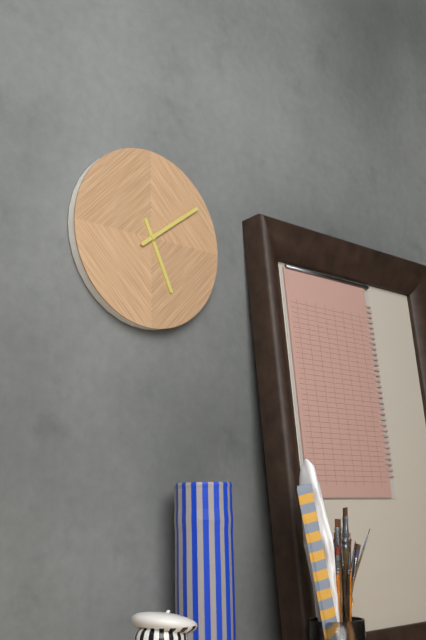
{"hour": 5, "minute": 9}
